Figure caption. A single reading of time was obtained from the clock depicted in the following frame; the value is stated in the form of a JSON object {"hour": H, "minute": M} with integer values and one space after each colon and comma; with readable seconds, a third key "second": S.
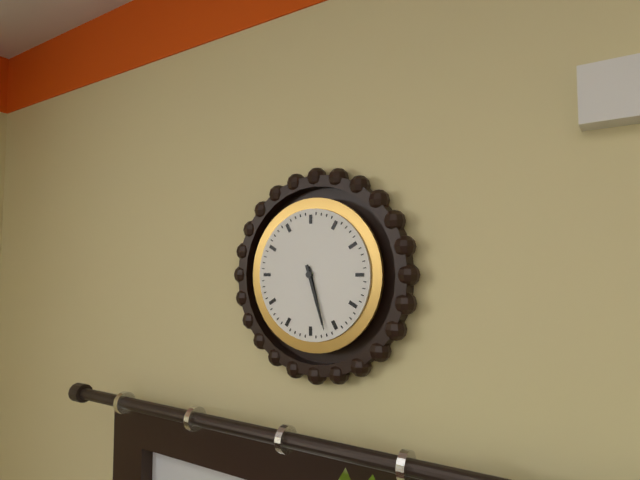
{"hour": 5, "minute": 27}
